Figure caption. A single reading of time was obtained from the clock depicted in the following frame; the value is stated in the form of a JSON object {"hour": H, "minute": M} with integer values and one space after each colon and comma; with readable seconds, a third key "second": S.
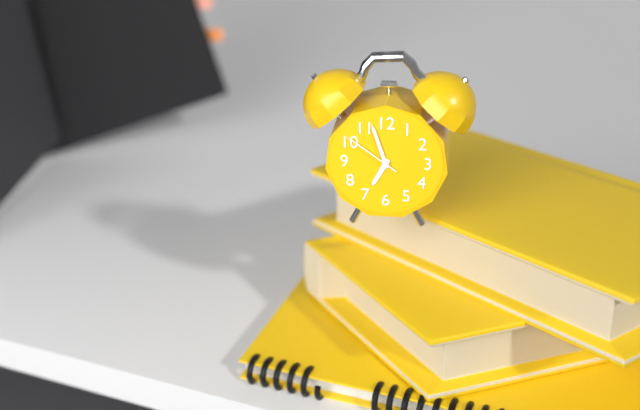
{"hour": 6, "minute": 57, "second": 51}
